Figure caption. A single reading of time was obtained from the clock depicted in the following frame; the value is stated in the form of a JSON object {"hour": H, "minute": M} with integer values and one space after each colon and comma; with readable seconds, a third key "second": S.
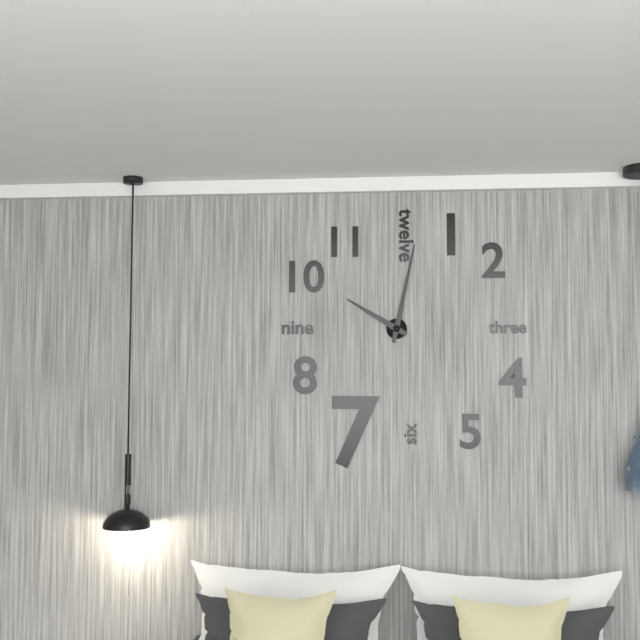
{"hour": 10, "minute": 2}
